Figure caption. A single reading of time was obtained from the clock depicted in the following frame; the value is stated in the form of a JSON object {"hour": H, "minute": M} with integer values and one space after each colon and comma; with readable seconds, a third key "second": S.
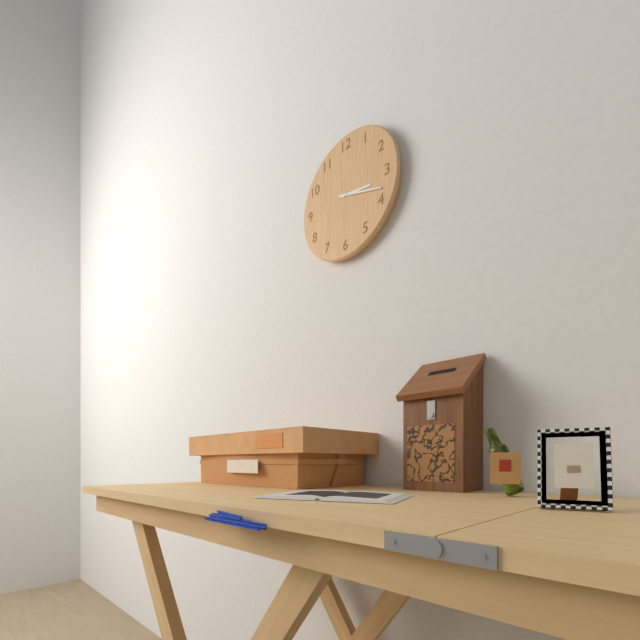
{"hour": 3, "minute": 18}
